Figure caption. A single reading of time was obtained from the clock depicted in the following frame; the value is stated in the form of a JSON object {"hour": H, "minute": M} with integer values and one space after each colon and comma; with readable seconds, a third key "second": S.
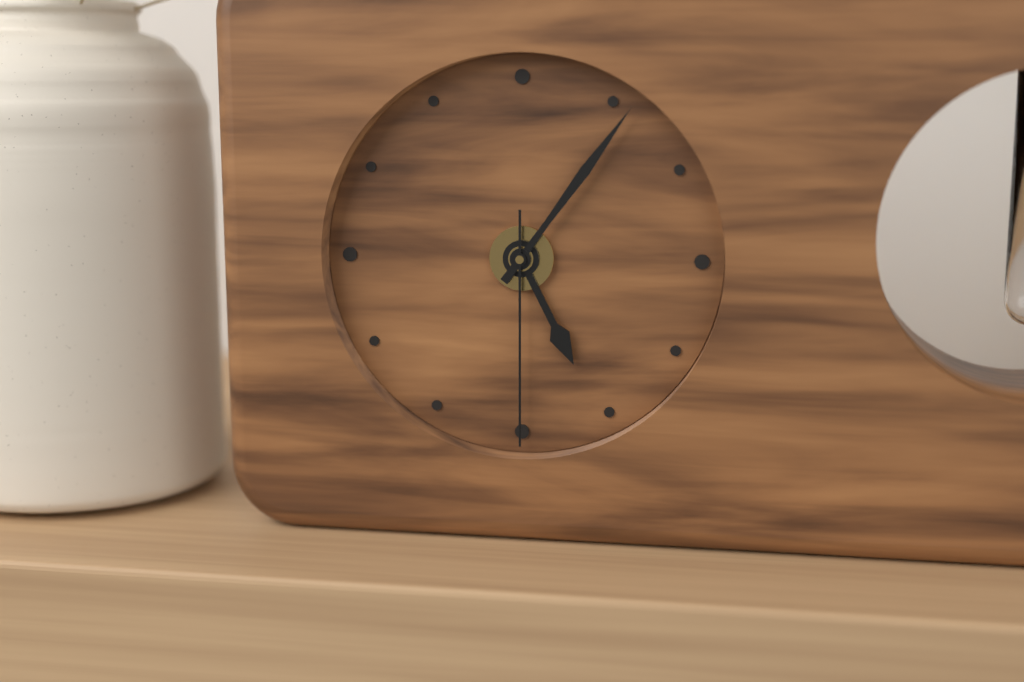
{"hour": 5, "minute": 6, "second": 30}
